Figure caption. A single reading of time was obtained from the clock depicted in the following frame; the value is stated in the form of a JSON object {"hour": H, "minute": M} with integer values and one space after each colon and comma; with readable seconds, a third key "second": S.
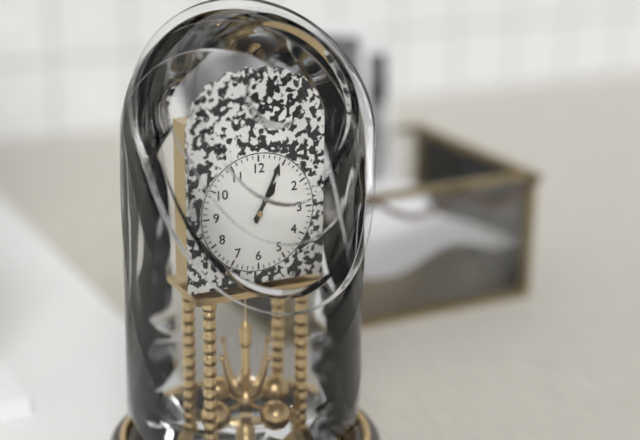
{"hour": 1, "minute": 4}
